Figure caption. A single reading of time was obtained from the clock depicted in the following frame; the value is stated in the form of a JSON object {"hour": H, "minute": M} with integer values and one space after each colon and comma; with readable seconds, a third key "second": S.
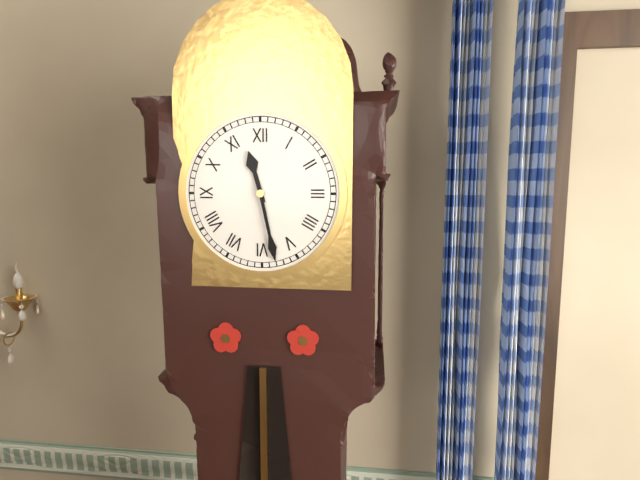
{"hour": 11, "minute": 28}
